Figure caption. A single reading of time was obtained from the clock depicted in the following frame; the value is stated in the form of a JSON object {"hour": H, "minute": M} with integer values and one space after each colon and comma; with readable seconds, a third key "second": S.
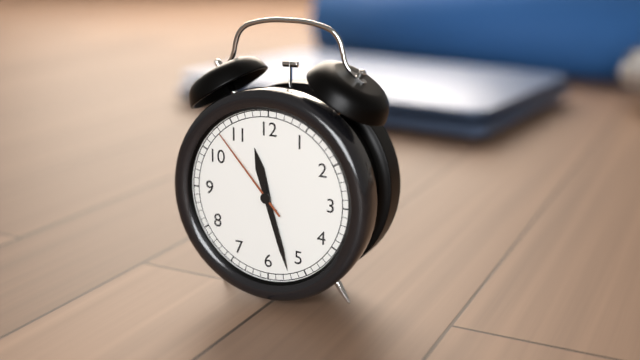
{"hour": 11, "minute": 27, "second": 53}
